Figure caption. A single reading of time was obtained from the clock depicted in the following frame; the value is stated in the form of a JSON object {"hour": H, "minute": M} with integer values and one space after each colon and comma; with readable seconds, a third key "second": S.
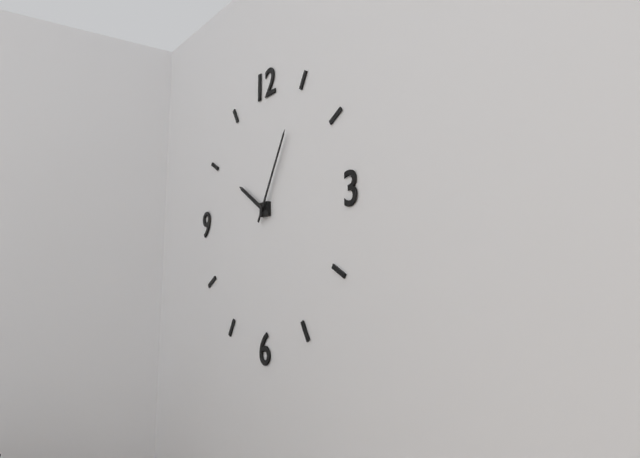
{"hour": 10, "minute": 5}
